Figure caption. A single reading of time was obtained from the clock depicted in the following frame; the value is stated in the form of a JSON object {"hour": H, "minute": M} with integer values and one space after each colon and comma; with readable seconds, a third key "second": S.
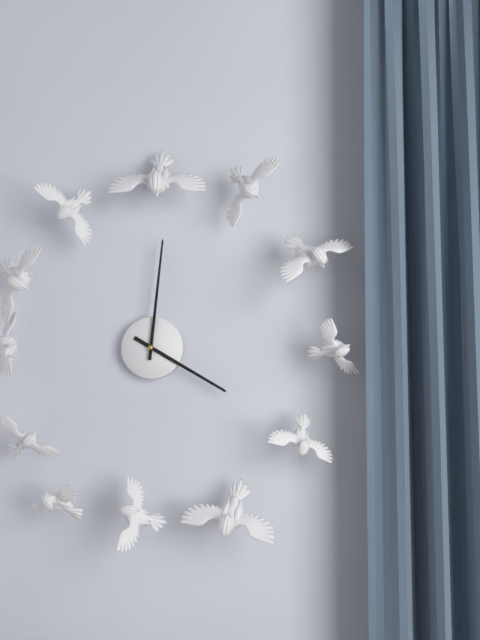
{"hour": 4, "minute": 1}
